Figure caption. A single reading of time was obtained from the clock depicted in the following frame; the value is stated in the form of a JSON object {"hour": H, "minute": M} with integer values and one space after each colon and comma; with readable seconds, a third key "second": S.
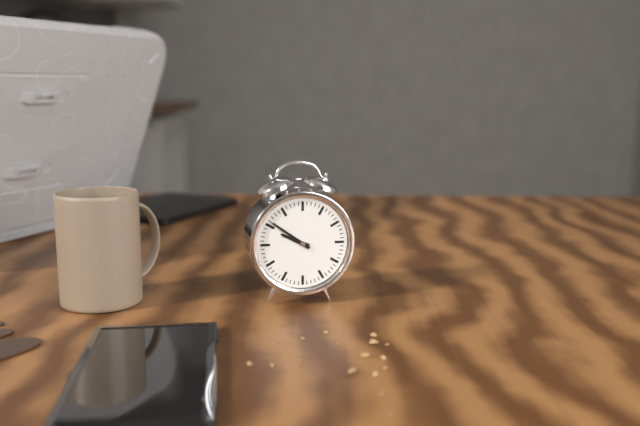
{"hour": 9, "minute": 51}
